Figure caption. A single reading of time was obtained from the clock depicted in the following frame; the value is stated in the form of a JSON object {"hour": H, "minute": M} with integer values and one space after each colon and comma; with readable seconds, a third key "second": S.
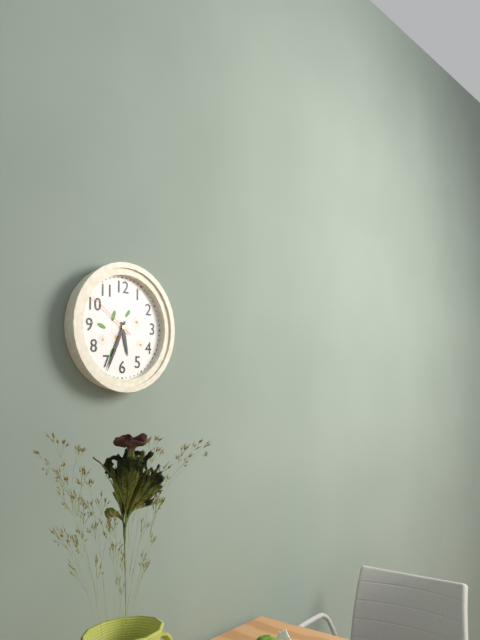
{"hour": 5, "minute": 34, "second": 51}
